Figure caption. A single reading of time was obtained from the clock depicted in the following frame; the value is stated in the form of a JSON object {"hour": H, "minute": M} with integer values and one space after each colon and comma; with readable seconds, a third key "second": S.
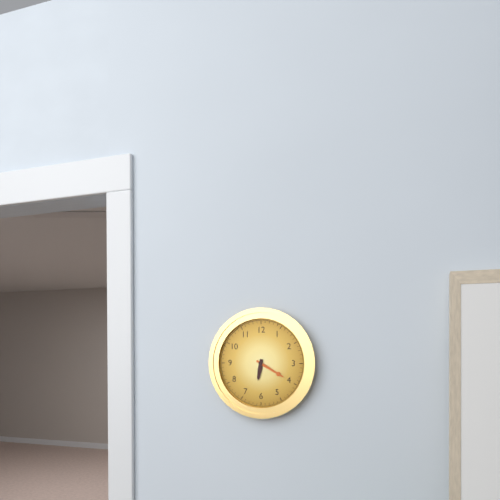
{"hour": 6, "minute": 20}
